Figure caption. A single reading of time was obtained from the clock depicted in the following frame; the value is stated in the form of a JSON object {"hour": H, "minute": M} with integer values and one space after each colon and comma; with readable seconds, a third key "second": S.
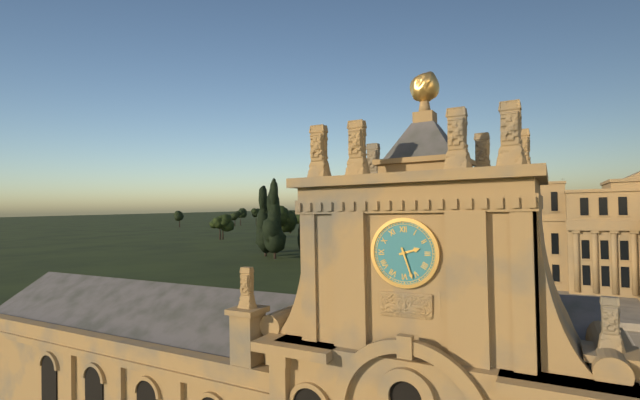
{"hour": 2, "minute": 27}
